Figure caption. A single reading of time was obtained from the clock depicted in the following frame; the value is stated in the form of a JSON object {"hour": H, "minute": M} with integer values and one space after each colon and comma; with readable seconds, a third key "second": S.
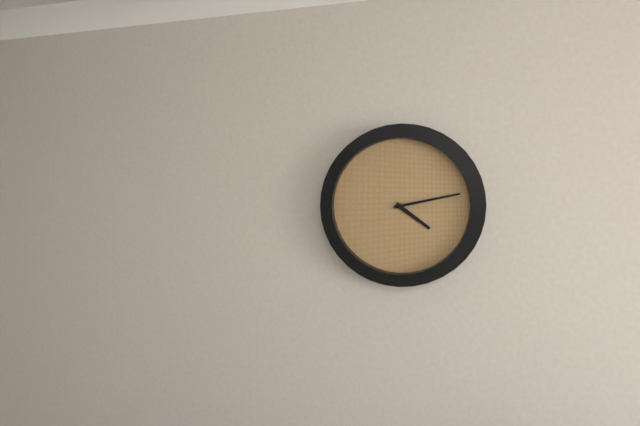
{"hour": 4, "minute": 13}
